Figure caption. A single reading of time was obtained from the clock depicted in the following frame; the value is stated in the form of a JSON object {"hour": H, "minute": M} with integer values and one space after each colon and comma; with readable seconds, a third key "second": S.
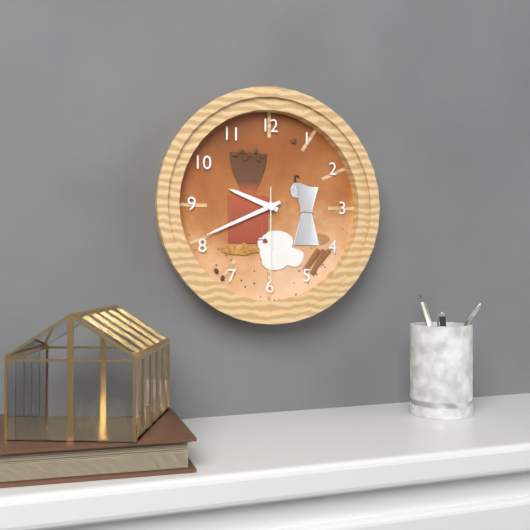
{"hour": 9, "minute": 41, "second": 30}
